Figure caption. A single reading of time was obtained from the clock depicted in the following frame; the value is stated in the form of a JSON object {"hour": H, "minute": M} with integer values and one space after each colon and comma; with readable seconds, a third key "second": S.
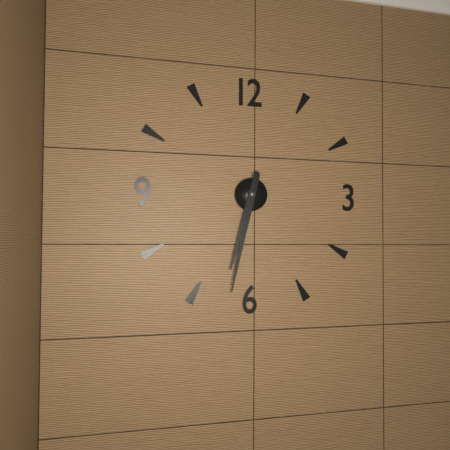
{"hour": 6, "minute": 32}
